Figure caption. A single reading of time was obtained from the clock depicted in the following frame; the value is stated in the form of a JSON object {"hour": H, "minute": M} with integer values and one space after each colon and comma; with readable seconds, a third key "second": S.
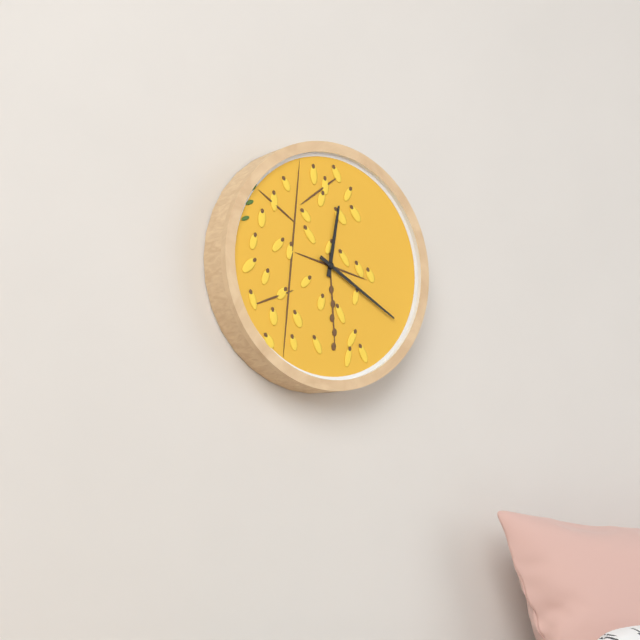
{"hour": 12, "minute": 20}
